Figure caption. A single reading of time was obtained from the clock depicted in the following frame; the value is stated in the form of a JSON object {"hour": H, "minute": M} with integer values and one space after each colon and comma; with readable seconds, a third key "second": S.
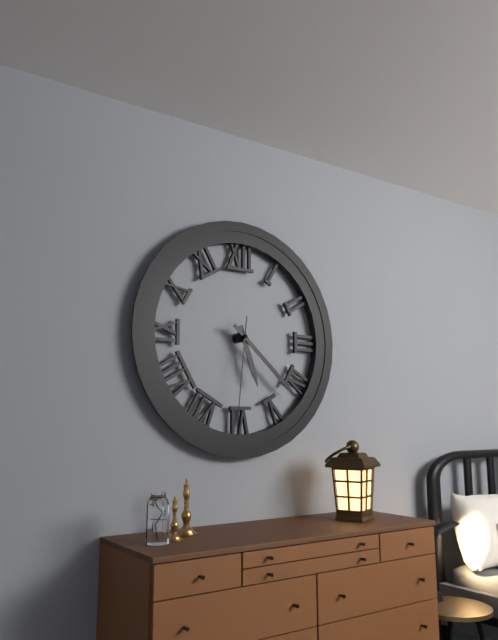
{"hour": 5, "minute": 22, "second": 31}
